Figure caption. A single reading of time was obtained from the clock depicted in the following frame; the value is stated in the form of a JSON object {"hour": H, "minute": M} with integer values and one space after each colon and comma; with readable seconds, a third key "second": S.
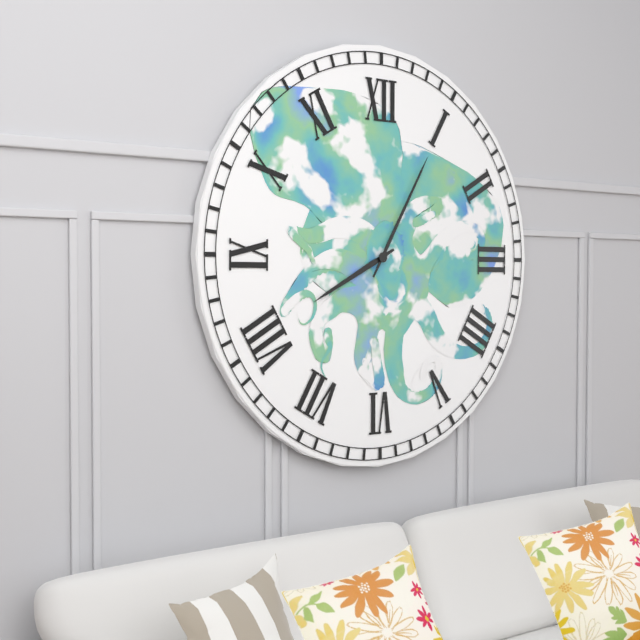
{"hour": 8, "minute": 5}
